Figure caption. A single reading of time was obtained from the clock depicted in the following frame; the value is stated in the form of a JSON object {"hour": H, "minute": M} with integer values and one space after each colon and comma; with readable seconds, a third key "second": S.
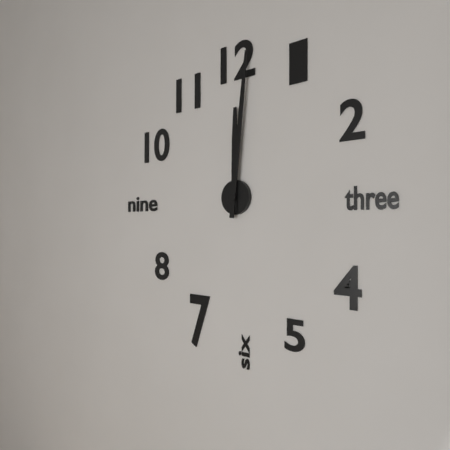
{"hour": 12, "minute": 1}
